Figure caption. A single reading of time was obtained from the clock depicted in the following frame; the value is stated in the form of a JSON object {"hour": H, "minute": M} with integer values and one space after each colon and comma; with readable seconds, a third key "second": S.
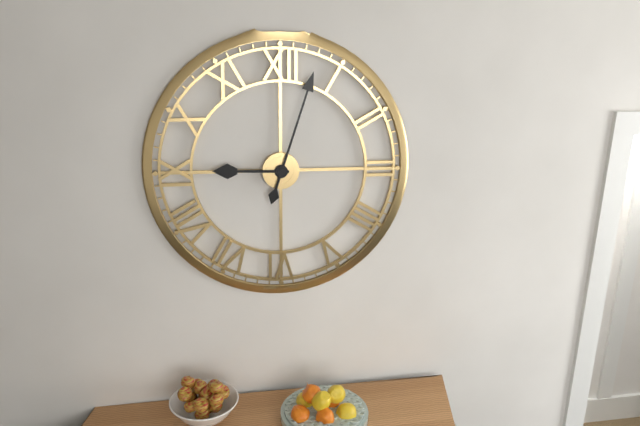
{"hour": 9, "minute": 3}
